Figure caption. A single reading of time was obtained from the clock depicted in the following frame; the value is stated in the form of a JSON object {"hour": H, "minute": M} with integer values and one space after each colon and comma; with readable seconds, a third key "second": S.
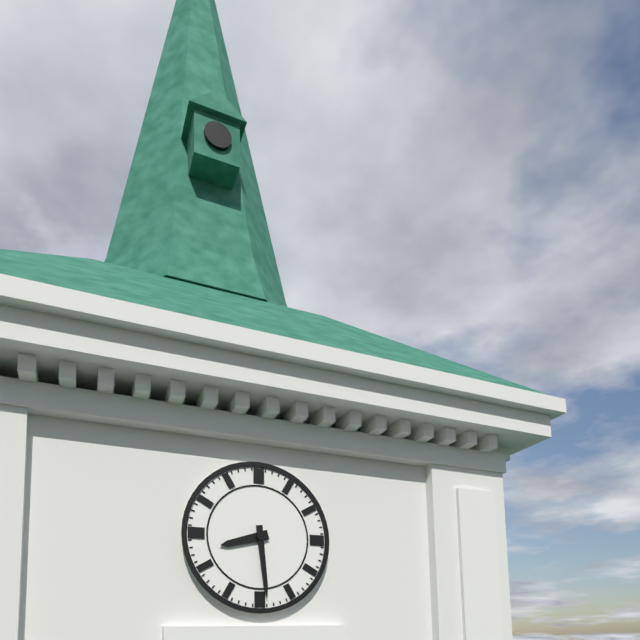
{"hour": 8, "minute": 29}
